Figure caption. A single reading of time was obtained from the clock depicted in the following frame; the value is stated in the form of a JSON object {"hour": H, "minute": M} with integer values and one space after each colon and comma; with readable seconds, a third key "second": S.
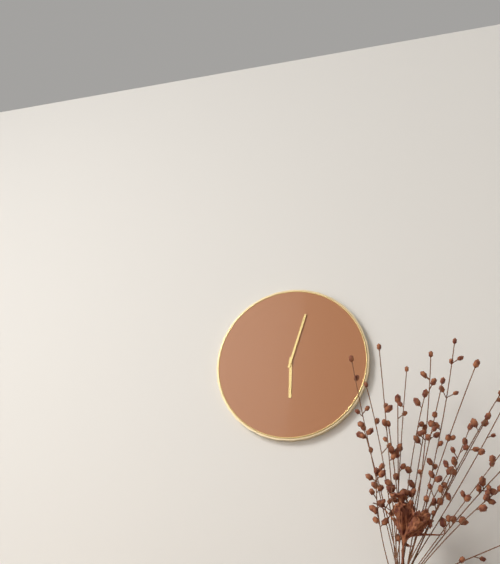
{"hour": 6, "minute": 3}
